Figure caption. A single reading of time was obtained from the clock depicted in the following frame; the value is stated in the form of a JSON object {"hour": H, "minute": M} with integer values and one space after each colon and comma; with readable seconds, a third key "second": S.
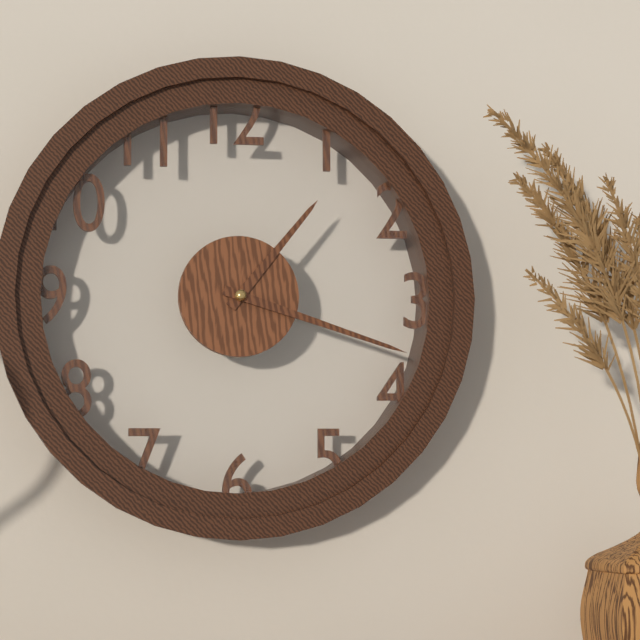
{"hour": 1, "minute": 18}
